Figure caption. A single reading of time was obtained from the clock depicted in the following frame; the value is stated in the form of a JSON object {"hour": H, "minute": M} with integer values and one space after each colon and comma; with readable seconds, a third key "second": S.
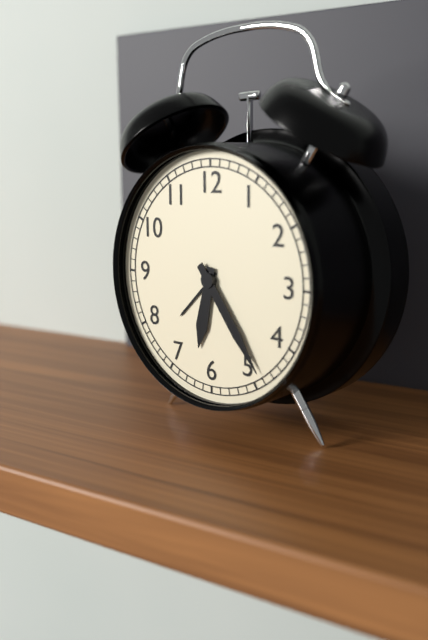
{"hour": 6, "minute": 24}
